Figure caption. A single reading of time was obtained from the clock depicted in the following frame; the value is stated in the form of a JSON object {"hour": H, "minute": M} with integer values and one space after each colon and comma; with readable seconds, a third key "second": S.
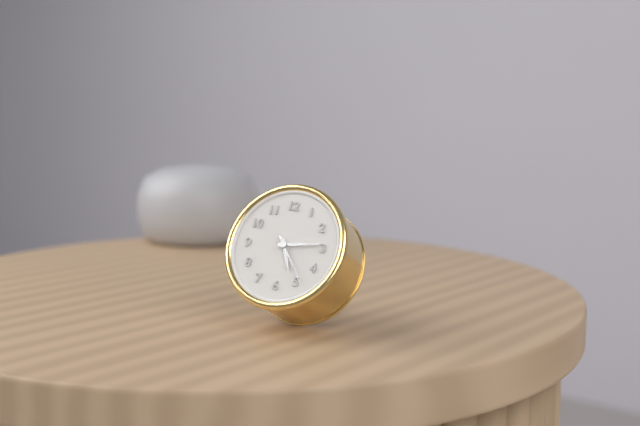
{"hour": 5, "minute": 14, "second": 24}
